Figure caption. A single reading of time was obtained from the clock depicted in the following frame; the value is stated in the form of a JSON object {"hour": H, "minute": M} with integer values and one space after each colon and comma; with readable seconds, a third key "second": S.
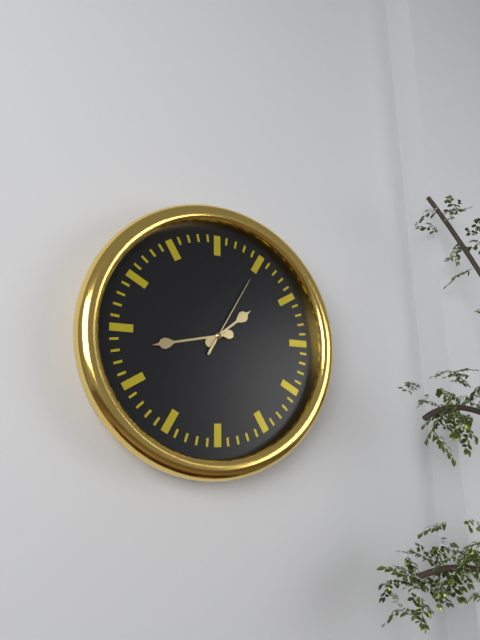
{"hour": 1, "minute": 43, "second": 5}
